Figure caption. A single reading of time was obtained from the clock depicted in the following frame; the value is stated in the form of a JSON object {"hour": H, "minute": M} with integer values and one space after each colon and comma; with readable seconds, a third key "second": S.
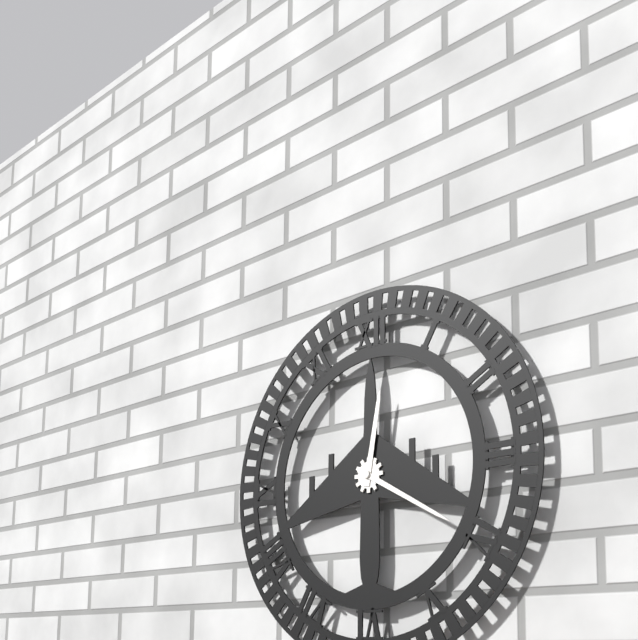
{"hour": 12, "minute": 20}
